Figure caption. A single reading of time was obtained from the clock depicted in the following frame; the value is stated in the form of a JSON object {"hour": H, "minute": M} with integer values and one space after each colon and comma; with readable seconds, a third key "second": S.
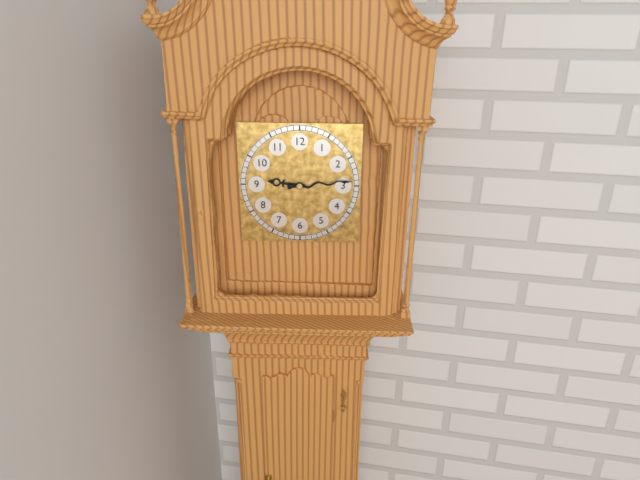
{"hour": 9, "minute": 14}
